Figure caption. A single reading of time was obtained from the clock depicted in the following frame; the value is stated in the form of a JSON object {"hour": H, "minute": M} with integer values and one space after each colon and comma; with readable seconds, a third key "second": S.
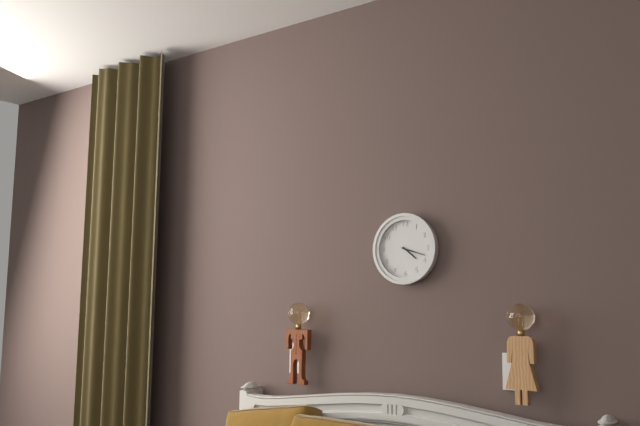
{"hour": 4, "minute": 18}
